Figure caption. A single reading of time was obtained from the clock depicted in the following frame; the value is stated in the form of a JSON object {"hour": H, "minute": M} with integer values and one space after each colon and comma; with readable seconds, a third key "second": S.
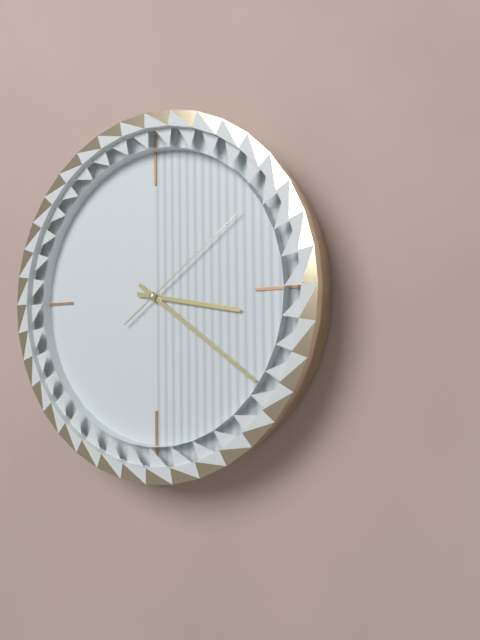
{"hour": 3, "minute": 21, "second": 9}
